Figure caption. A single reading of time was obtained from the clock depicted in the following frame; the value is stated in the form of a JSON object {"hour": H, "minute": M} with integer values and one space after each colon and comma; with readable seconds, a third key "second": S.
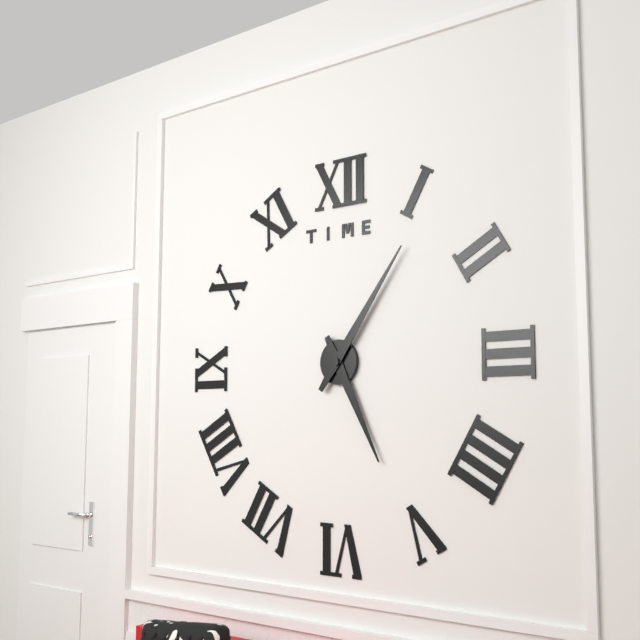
{"hour": 5, "minute": 6}
